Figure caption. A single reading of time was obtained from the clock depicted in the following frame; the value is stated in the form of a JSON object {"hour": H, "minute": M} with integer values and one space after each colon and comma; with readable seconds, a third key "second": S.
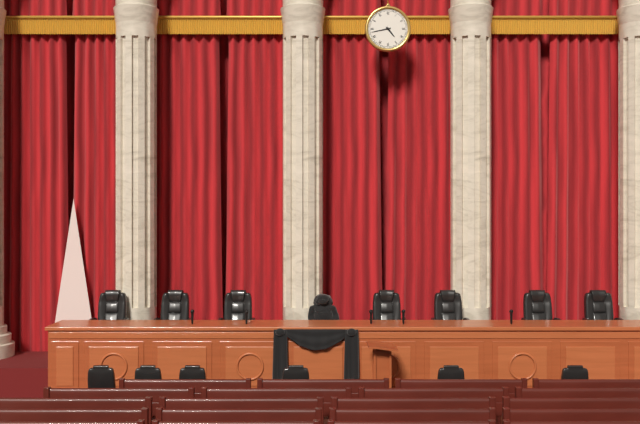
{"hour": 4, "minute": 43}
